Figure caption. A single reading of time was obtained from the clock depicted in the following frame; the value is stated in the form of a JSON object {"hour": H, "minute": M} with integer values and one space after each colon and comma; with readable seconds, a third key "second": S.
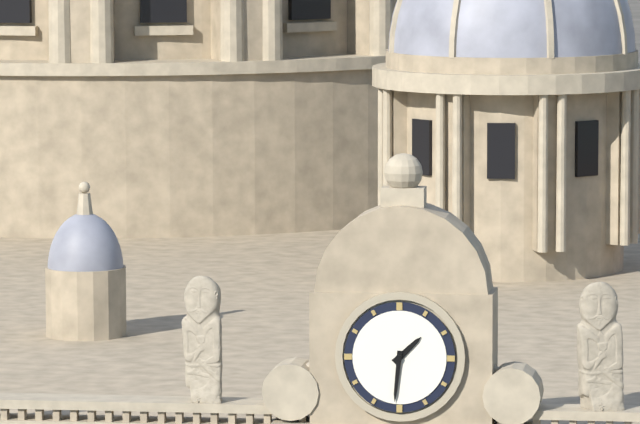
{"hour": 1, "minute": 31}
